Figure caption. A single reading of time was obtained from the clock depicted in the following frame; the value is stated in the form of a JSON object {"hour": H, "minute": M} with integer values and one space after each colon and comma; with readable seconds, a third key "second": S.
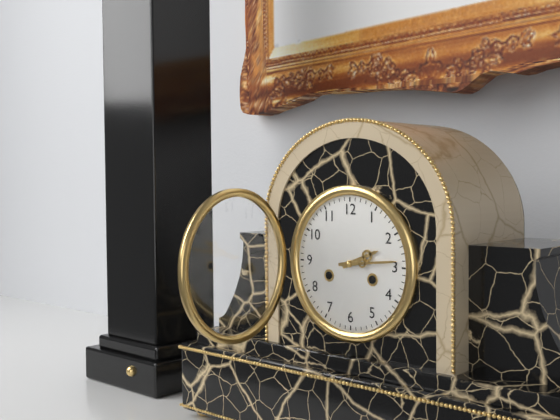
{"hour": 2, "minute": 14}
